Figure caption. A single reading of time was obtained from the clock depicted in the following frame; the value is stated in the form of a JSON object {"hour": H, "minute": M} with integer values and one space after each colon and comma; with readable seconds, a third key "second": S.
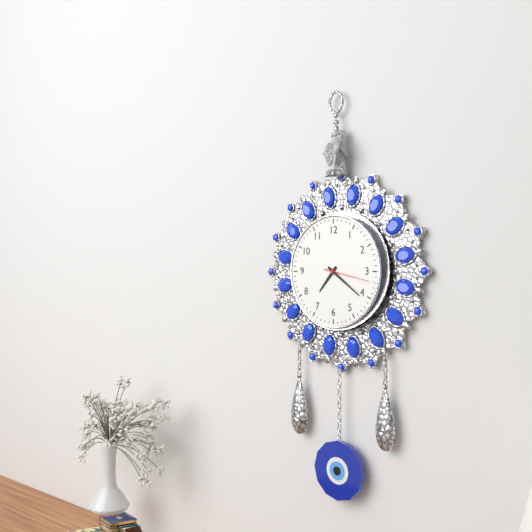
{"hour": 7, "minute": 21}
